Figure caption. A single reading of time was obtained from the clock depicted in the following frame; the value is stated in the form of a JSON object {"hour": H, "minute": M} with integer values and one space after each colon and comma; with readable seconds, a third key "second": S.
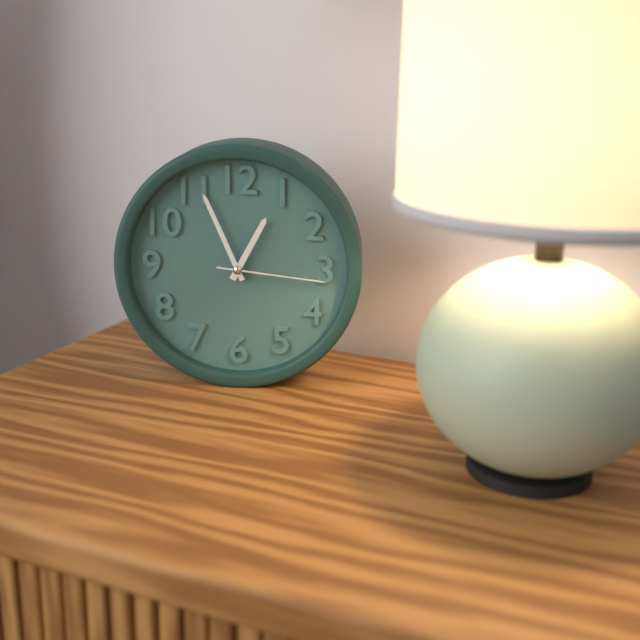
{"hour": 12, "minute": 56, "second": 16}
